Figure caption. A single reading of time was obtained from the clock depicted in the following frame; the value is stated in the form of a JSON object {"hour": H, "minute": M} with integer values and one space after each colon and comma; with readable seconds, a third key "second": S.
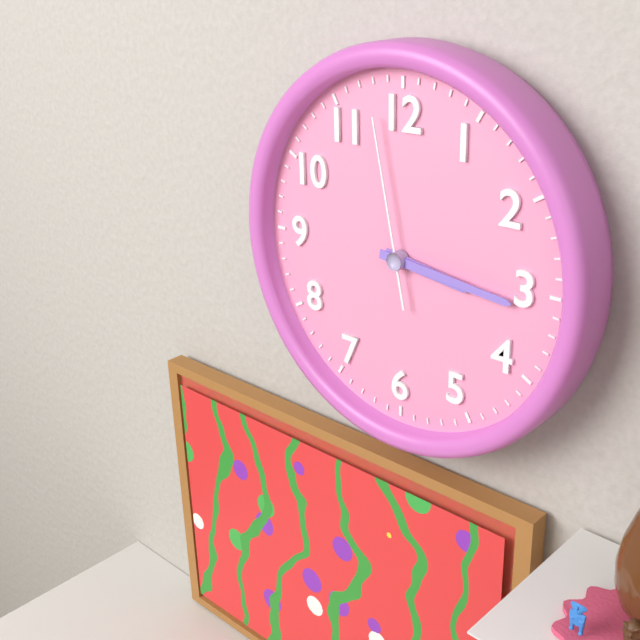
{"hour": 3, "minute": 16, "second": 58}
